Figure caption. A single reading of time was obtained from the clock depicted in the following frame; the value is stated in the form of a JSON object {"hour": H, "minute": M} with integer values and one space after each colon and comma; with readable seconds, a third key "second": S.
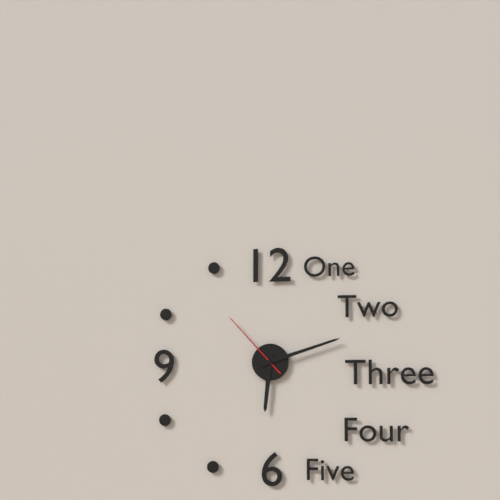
{"hour": 6, "minute": 12, "second": 53}
